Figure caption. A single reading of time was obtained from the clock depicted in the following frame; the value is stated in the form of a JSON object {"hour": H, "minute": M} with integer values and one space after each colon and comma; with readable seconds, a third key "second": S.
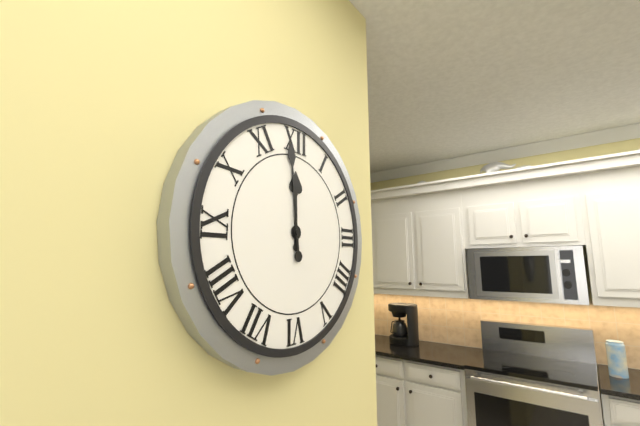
{"hour": 11, "minute": 59}
